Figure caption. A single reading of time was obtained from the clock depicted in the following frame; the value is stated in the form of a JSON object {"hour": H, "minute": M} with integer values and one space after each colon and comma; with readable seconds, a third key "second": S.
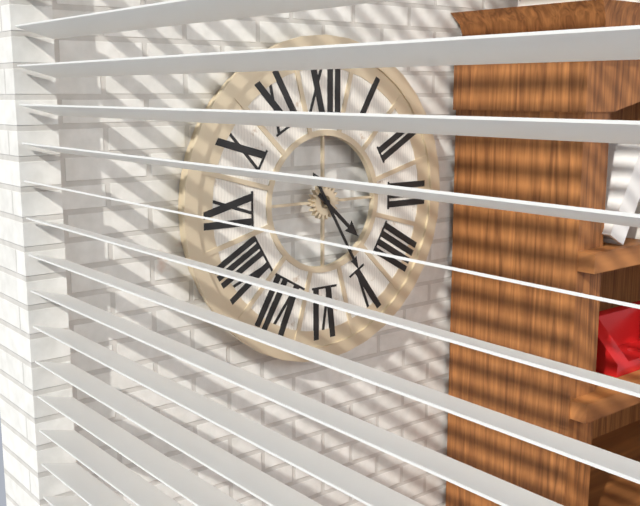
{"hour": 4, "minute": 25}
